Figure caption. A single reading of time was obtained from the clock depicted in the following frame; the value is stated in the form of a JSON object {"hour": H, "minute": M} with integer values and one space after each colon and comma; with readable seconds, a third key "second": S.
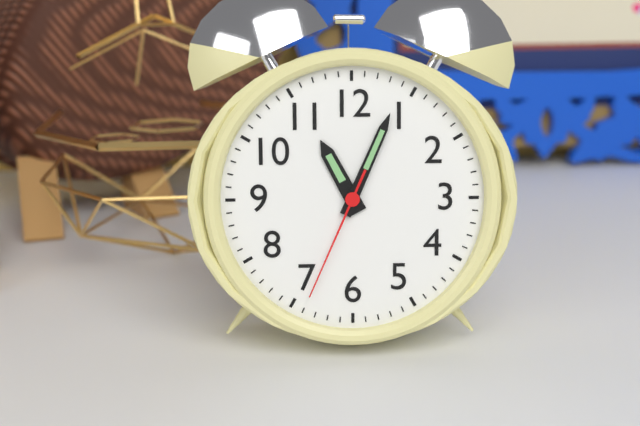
{"hour": 11, "minute": 4, "second": 34}
